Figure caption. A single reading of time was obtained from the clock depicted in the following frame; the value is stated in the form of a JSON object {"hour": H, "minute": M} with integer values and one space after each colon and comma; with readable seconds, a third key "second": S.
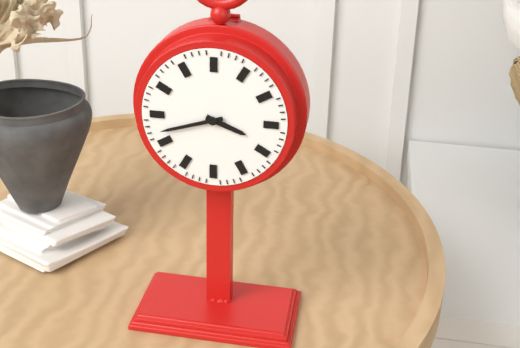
{"hour": 3, "minute": 42}
